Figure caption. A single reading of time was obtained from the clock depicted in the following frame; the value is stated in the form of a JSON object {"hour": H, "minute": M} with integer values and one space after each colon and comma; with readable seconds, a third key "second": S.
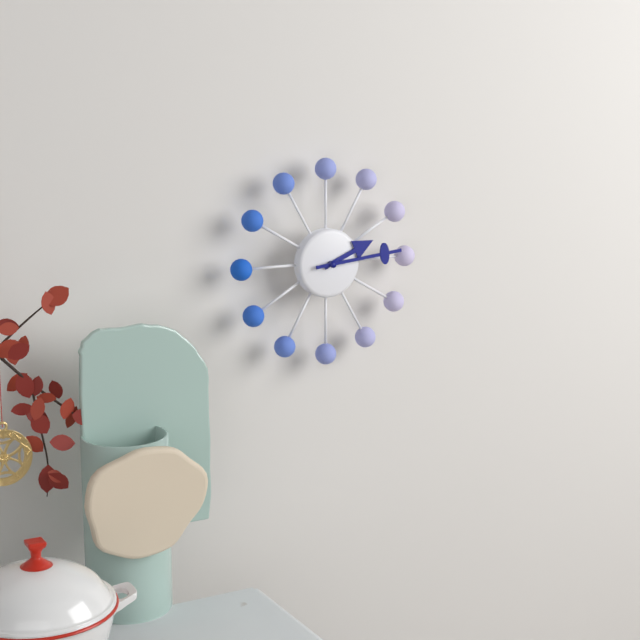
{"hour": 2, "minute": 14}
